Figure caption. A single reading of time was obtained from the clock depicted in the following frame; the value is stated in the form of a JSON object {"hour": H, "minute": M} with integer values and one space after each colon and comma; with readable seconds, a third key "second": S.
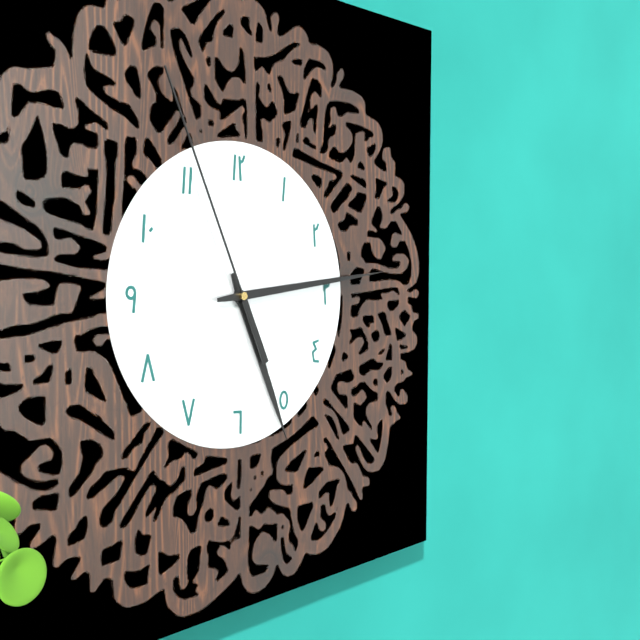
{"hour": 5, "minute": 14, "second": 56}
